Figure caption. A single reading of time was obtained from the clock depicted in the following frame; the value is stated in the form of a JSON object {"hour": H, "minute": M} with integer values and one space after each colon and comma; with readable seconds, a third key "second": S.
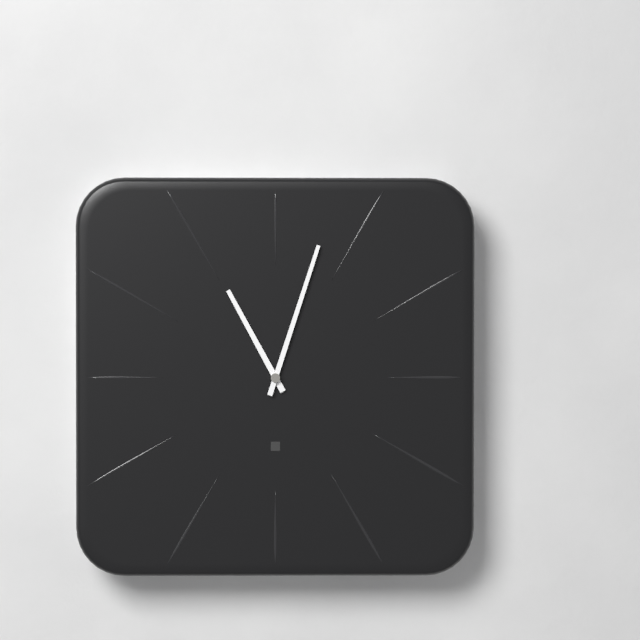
{"hour": 11, "minute": 3}
